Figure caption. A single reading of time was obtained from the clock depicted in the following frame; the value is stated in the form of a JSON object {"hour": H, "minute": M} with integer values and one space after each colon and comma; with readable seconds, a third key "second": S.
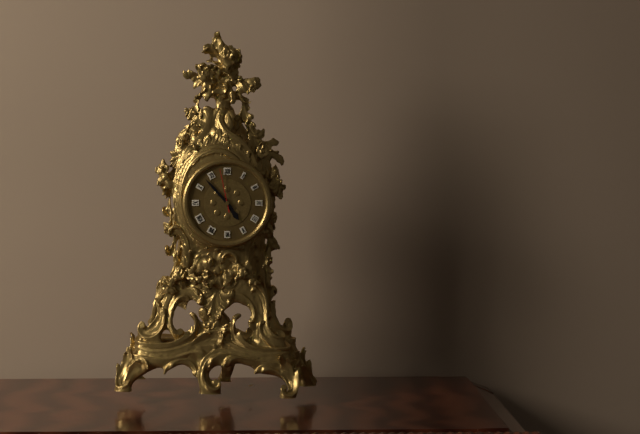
{"hour": 4, "minute": 53}
